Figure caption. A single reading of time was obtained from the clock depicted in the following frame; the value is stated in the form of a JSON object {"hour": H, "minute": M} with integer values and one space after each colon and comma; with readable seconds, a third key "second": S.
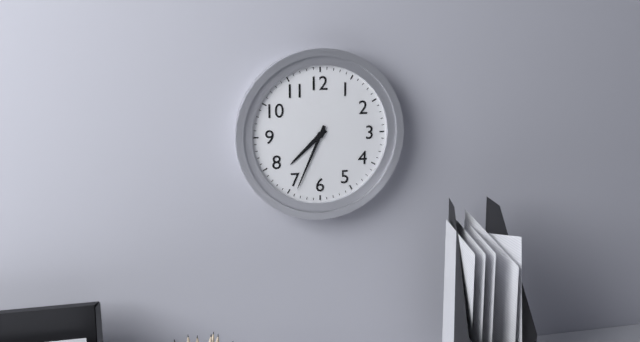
{"hour": 7, "minute": 34}
